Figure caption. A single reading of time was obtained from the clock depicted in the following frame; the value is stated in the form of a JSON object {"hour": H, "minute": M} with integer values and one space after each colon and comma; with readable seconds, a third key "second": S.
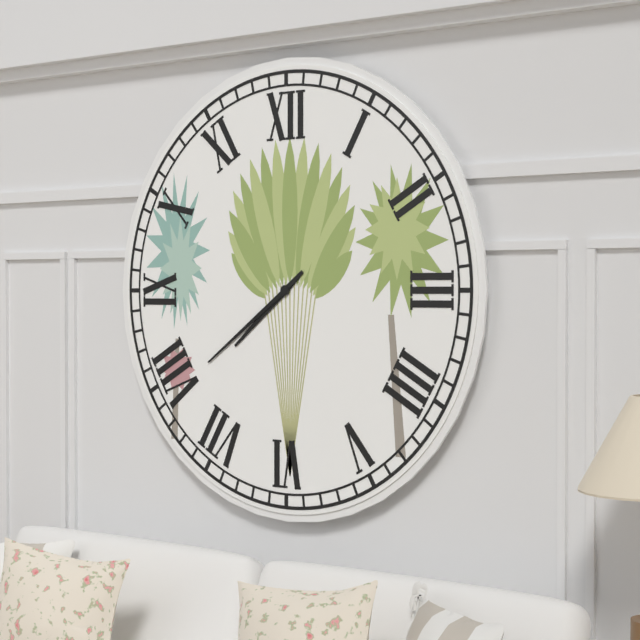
{"hour": 7, "minute": 39}
